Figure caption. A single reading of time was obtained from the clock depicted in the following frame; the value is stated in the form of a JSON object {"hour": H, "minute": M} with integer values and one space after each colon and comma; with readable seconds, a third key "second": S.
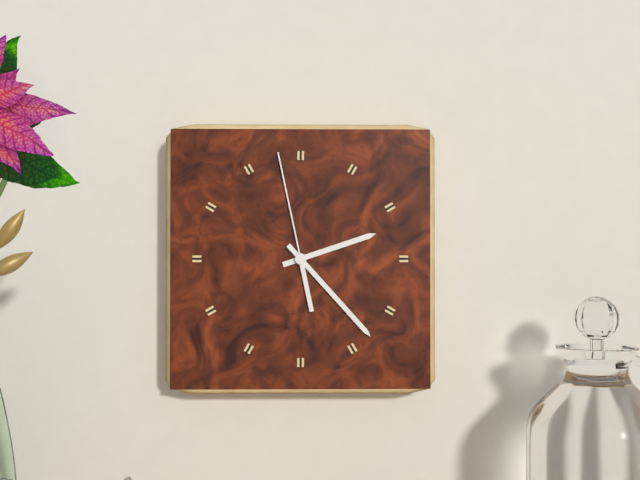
{"hour": 2, "minute": 23, "second": 58}
